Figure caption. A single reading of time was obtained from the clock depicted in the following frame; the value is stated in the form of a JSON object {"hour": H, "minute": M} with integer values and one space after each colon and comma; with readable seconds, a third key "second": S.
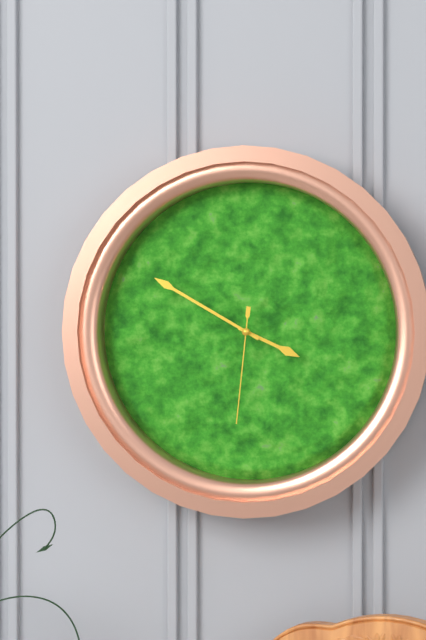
{"hour": 3, "minute": 50, "second": 31}
